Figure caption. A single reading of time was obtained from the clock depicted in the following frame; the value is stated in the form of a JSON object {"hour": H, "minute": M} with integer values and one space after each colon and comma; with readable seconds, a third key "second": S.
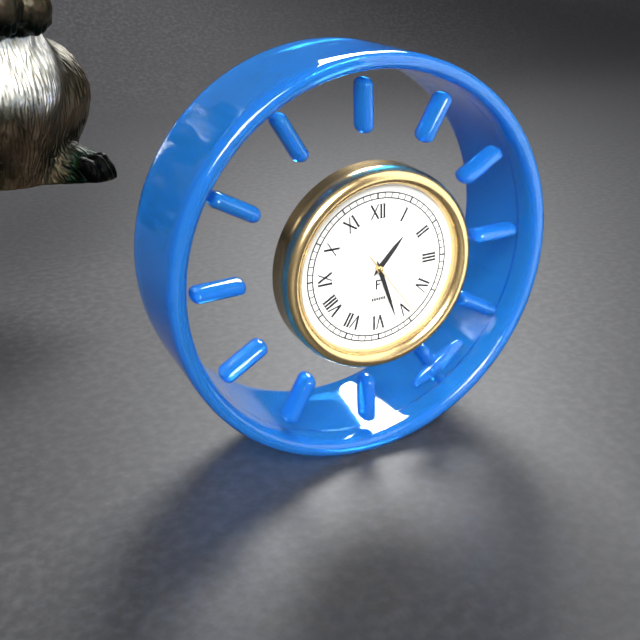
{"hour": 1, "minute": 27, "second": 24}
